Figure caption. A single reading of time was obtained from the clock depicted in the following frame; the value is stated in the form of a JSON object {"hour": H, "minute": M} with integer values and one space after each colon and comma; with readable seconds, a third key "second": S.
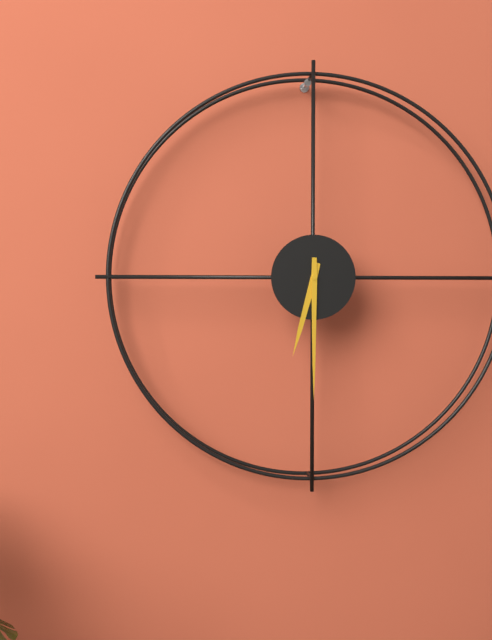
{"hour": 6, "minute": 30}
